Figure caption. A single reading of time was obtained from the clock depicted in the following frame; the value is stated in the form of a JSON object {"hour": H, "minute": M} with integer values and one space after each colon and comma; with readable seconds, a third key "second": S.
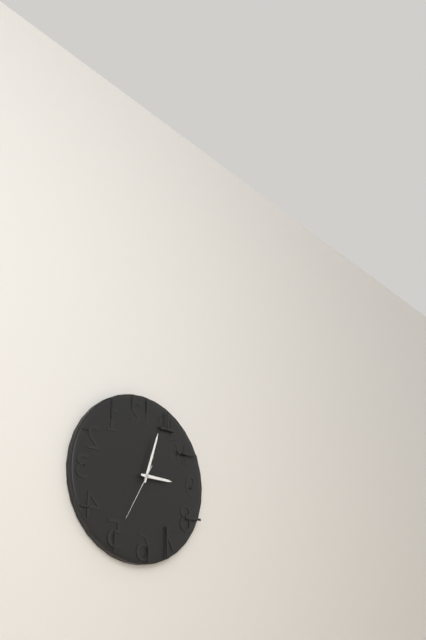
{"hour": 3, "minute": 3, "second": 35}
